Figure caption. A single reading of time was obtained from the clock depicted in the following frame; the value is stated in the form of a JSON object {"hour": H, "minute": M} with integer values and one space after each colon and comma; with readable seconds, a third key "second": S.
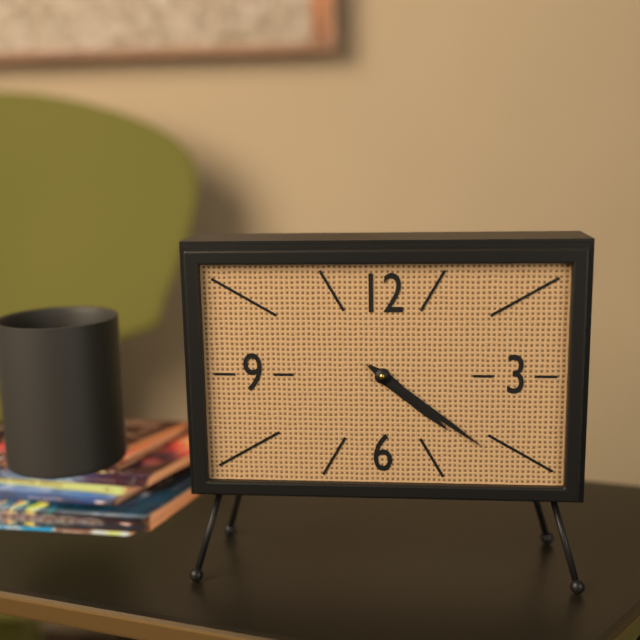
{"hour": 4, "minute": 21}
